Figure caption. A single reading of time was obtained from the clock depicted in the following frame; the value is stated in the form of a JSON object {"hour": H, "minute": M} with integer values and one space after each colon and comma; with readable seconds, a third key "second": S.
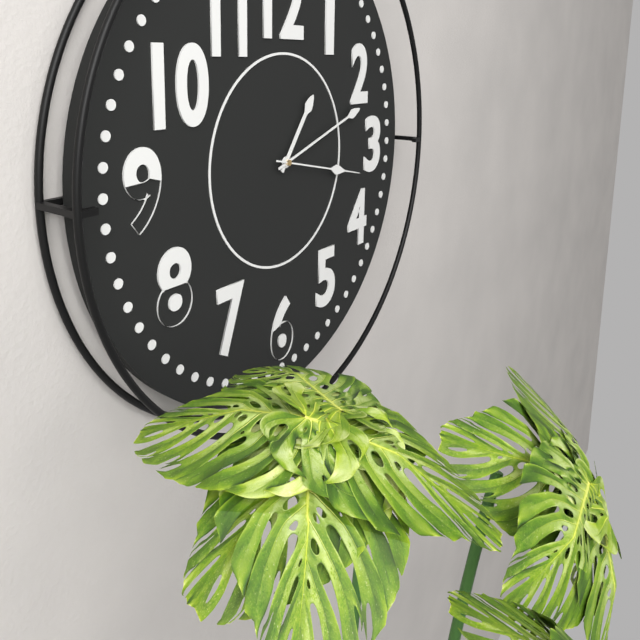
{"hour": 1, "minute": 12, "second": 17}
